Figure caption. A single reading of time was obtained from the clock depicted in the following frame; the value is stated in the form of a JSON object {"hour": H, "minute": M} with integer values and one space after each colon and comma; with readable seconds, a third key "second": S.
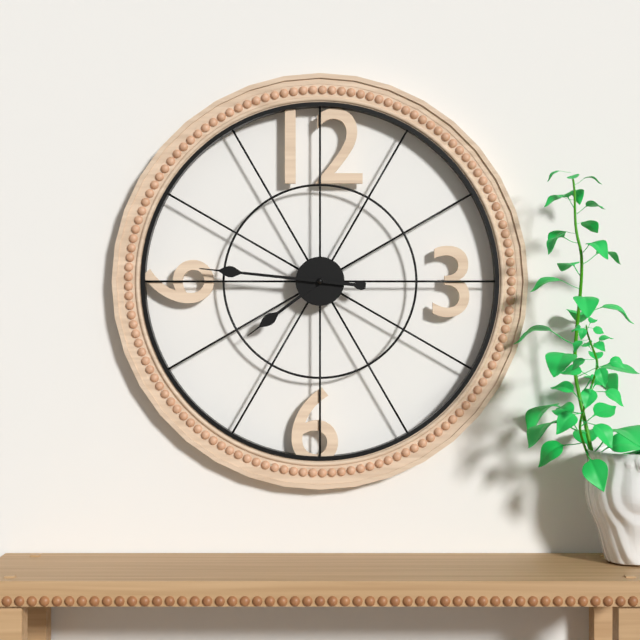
{"hour": 7, "minute": 46}
